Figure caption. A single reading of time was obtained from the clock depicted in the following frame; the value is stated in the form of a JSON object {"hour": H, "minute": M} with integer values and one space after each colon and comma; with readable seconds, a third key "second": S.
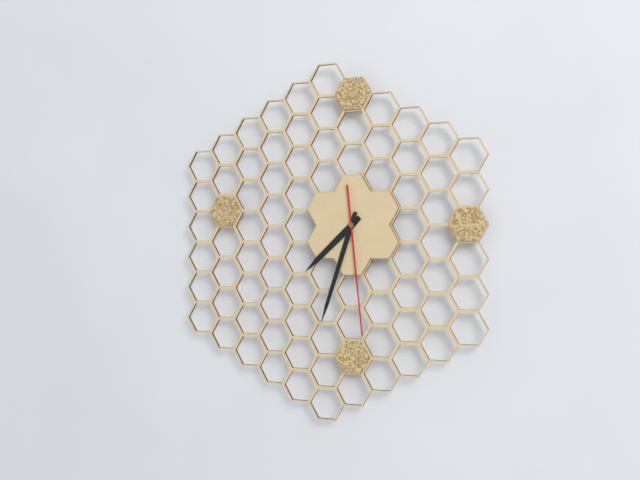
{"hour": 7, "minute": 33, "second": 29}
